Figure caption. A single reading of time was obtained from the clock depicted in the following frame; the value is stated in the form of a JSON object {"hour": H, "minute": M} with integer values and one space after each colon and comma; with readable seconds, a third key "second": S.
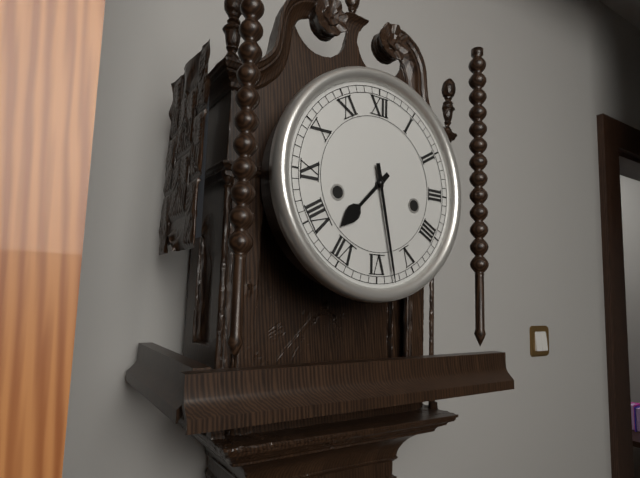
{"hour": 7, "minute": 28}
